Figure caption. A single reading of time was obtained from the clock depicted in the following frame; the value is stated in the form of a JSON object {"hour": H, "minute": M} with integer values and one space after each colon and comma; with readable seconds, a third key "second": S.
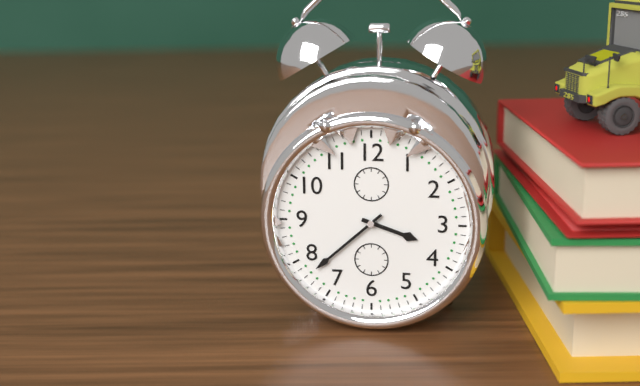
{"hour": 3, "minute": 38}
